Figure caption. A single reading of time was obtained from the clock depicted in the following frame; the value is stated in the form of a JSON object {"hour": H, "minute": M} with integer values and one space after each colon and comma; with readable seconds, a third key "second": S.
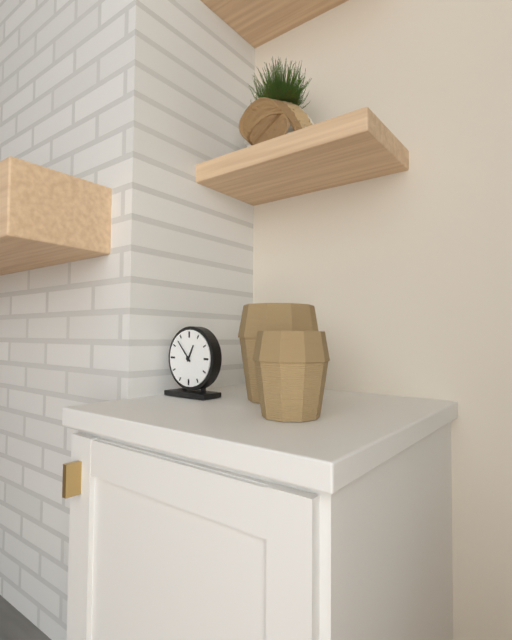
{"hour": 12, "minute": 53}
